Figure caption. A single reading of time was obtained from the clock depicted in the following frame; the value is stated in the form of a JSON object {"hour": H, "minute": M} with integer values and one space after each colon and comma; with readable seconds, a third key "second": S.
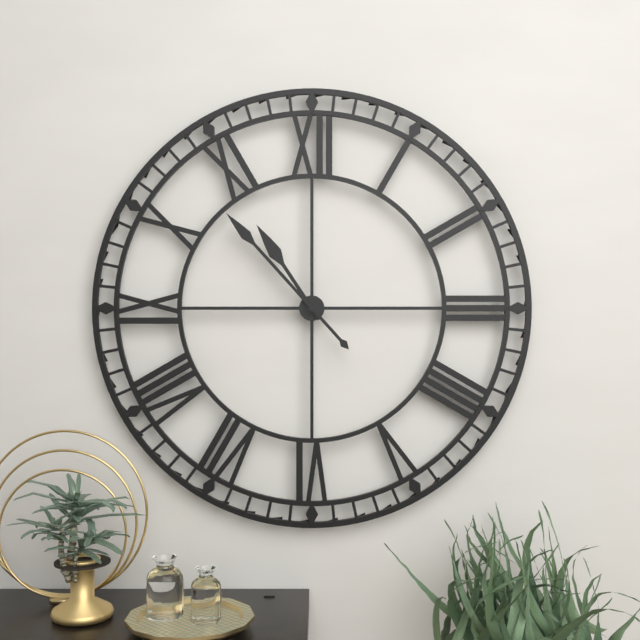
{"hour": 10, "minute": 53}
